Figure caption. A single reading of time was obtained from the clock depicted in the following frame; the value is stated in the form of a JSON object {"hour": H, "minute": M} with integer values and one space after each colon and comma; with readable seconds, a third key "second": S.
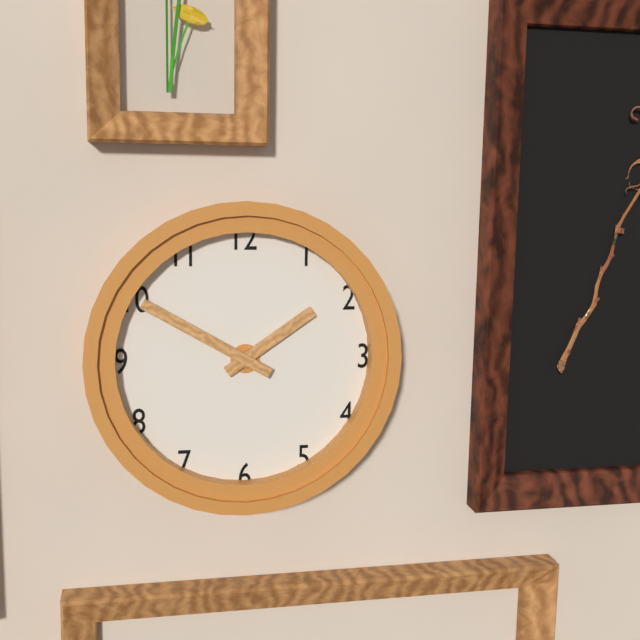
{"hour": 1, "minute": 50}
